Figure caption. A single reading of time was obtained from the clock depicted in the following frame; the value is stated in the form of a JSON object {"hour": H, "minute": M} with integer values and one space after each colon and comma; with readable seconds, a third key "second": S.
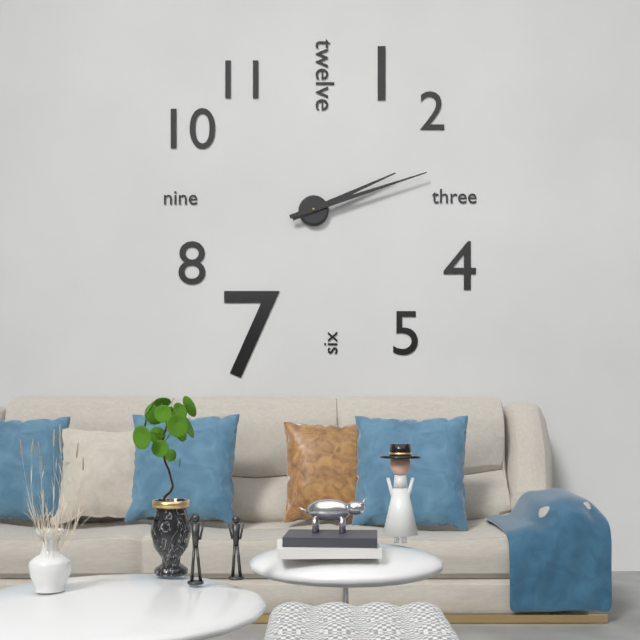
{"hour": 2, "minute": 12}
